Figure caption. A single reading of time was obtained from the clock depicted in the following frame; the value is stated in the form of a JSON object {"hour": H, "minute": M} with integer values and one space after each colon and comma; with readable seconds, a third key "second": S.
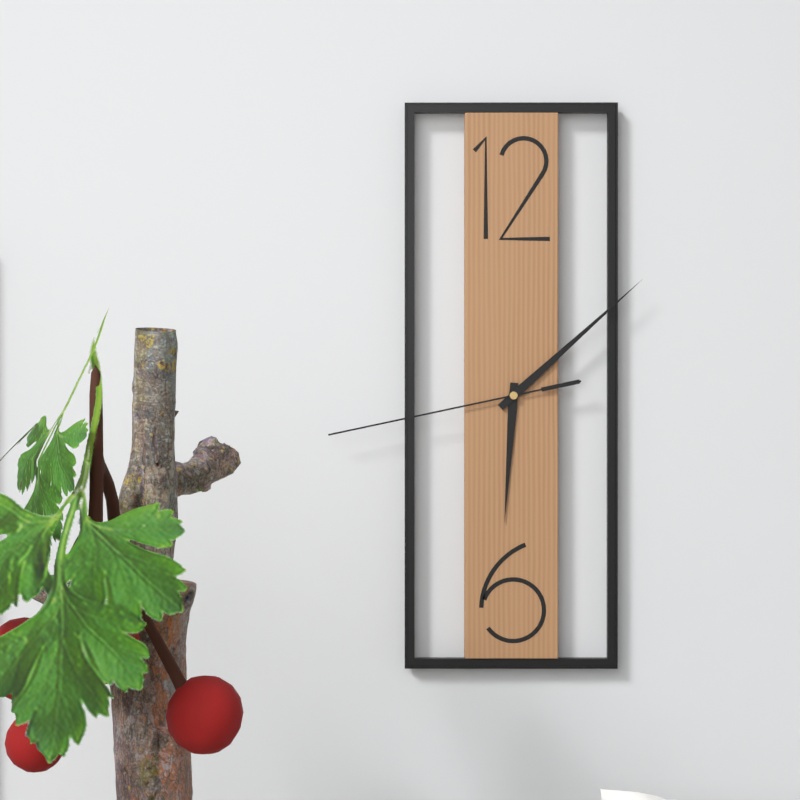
{"hour": 6, "minute": 8, "second": 43}
